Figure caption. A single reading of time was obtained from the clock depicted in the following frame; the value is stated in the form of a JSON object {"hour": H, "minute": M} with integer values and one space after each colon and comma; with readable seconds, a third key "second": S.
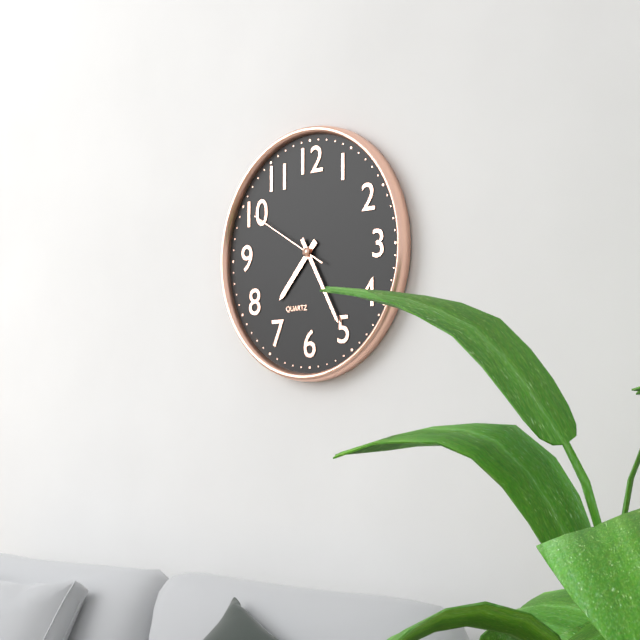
{"hour": 7, "minute": 25, "second": 50}
